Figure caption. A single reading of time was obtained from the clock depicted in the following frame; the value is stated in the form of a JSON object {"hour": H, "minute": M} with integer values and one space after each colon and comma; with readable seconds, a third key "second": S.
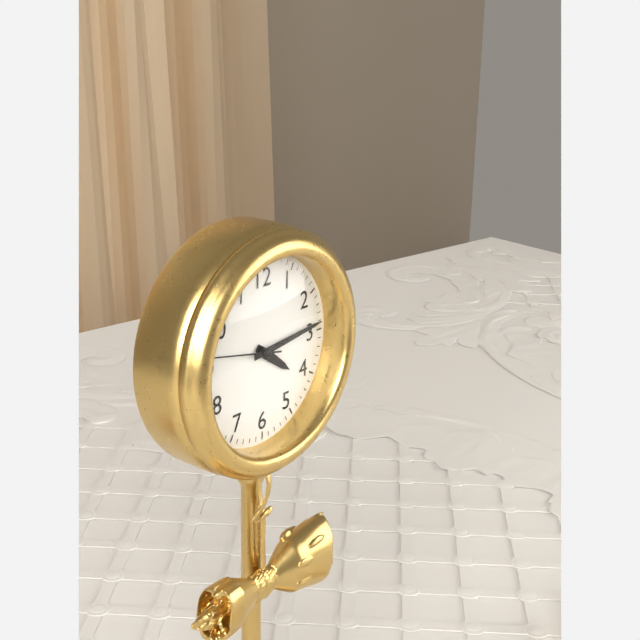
{"hour": 4, "minute": 14, "second": 47}
